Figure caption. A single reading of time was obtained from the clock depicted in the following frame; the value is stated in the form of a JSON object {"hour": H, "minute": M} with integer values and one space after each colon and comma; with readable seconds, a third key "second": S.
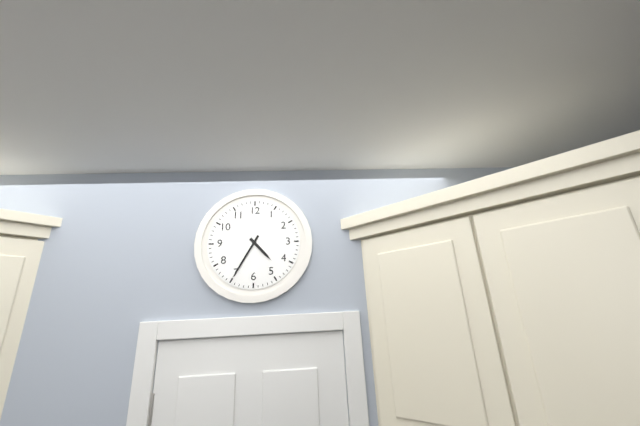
{"hour": 4, "minute": 35}
